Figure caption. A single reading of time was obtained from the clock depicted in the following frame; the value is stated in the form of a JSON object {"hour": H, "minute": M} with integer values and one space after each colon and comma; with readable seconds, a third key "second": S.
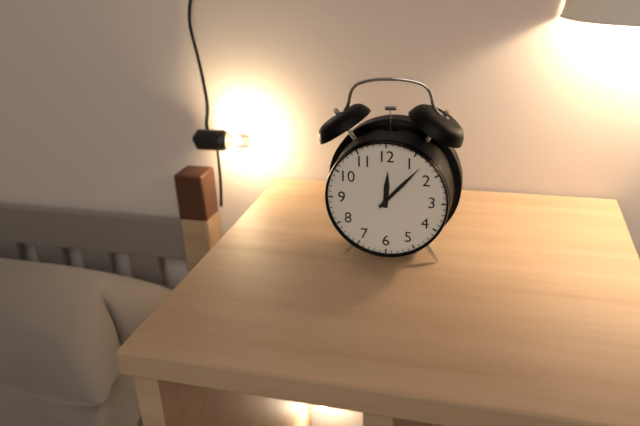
{"hour": 12, "minute": 7}
